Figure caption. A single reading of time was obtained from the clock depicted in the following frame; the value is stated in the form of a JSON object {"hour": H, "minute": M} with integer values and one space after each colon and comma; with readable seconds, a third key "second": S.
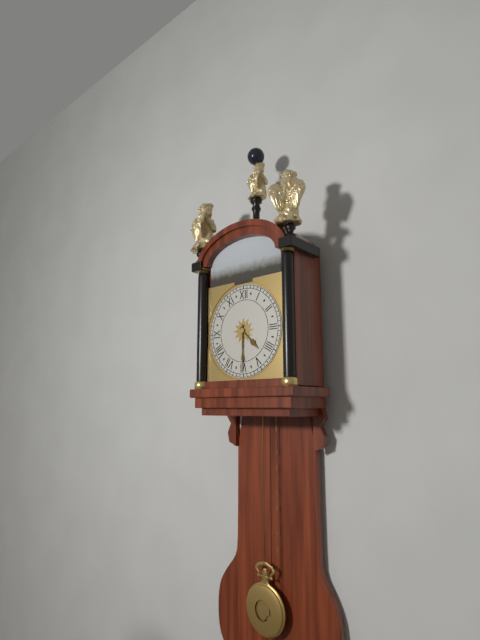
{"hour": 4, "minute": 30}
